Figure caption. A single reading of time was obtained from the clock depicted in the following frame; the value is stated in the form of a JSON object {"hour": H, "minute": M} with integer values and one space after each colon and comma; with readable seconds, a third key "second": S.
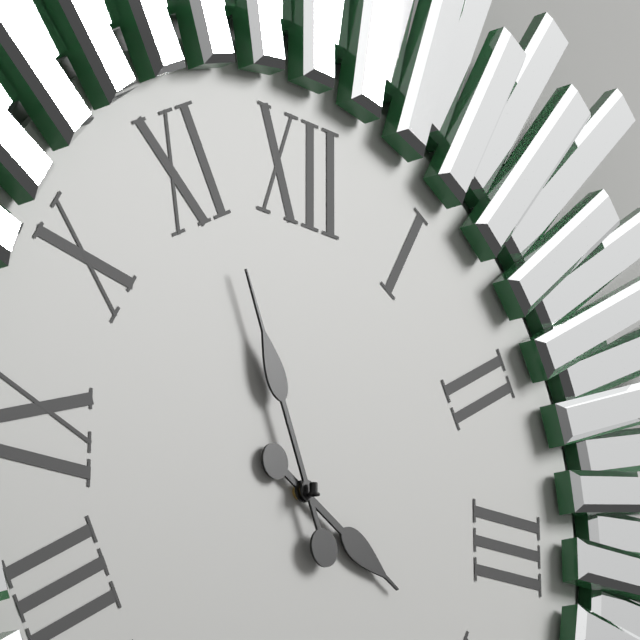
{"hour": 3, "minute": 56}
